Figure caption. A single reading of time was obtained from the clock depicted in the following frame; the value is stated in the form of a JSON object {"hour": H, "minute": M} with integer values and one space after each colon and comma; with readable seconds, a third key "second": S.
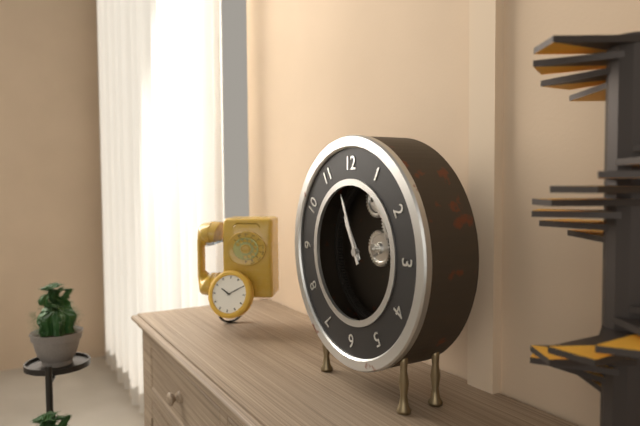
{"hour": 10, "minute": 56}
